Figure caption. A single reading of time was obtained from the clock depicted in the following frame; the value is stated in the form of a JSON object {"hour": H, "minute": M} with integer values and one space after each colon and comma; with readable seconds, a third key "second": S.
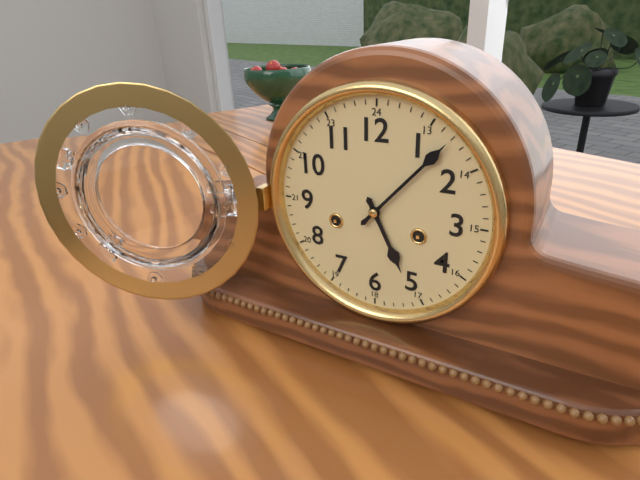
{"hour": 5, "minute": 7}
